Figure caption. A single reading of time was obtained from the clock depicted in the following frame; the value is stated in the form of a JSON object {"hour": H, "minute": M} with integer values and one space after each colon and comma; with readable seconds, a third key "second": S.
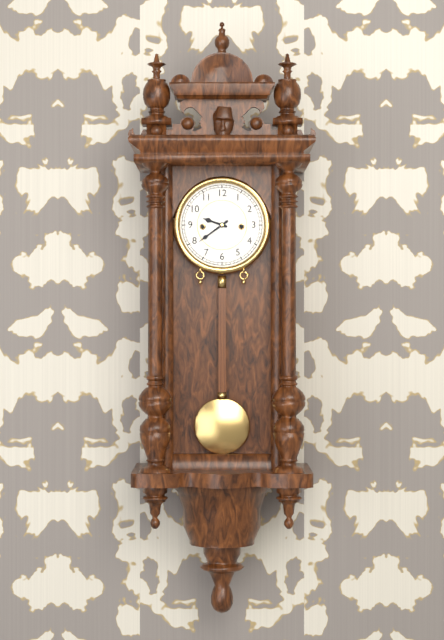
{"hour": 9, "minute": 39}
